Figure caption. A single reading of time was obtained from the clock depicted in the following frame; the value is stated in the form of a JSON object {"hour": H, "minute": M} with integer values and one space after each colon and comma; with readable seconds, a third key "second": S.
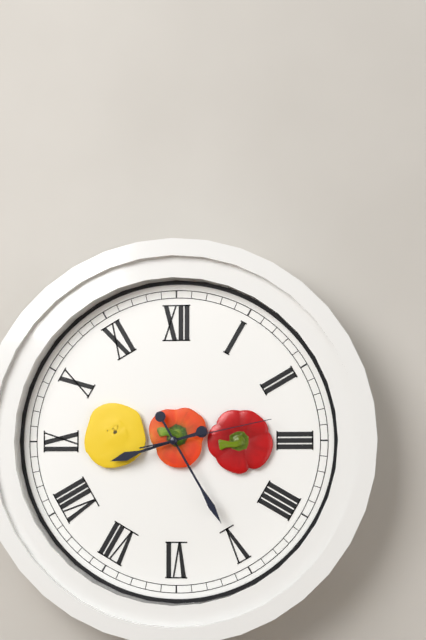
{"hour": 8, "minute": 25, "second": 13}
